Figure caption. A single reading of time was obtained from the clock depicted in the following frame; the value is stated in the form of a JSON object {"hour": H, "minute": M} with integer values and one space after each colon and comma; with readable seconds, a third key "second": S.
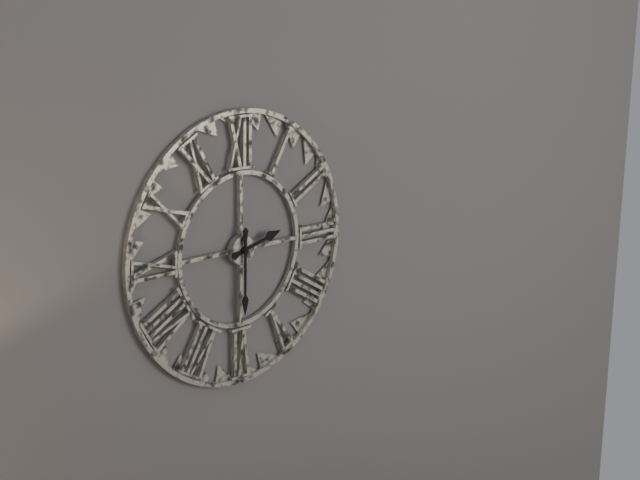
{"hour": 2, "minute": 30}
